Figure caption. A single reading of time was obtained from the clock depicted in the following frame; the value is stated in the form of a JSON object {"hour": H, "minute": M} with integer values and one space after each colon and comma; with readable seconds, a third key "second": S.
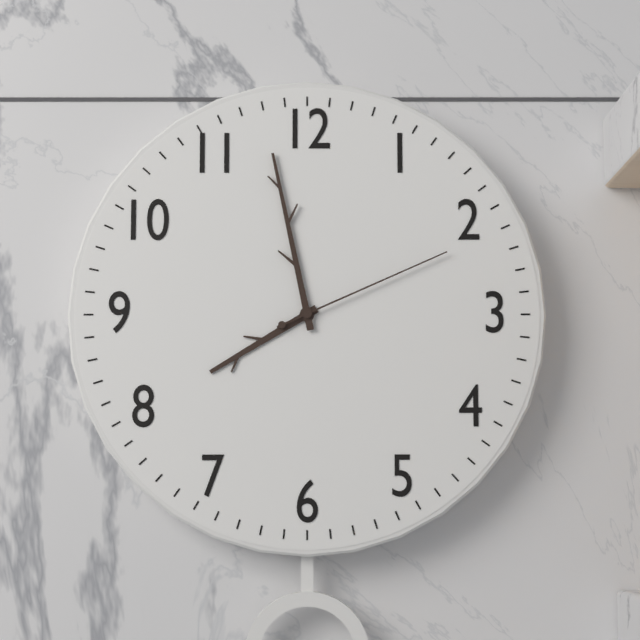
{"hour": 7, "minute": 58, "second": 11}
